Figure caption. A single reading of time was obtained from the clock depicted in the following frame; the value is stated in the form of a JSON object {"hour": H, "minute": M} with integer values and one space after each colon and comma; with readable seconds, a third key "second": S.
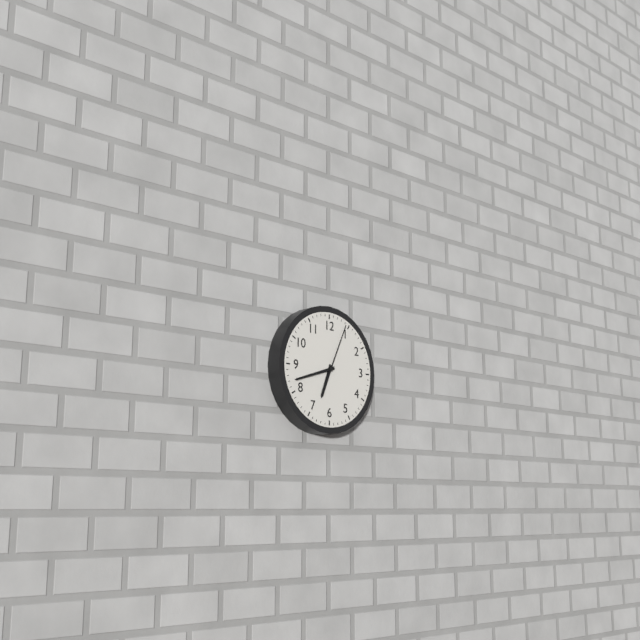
{"hour": 6, "minute": 42, "second": 4}
